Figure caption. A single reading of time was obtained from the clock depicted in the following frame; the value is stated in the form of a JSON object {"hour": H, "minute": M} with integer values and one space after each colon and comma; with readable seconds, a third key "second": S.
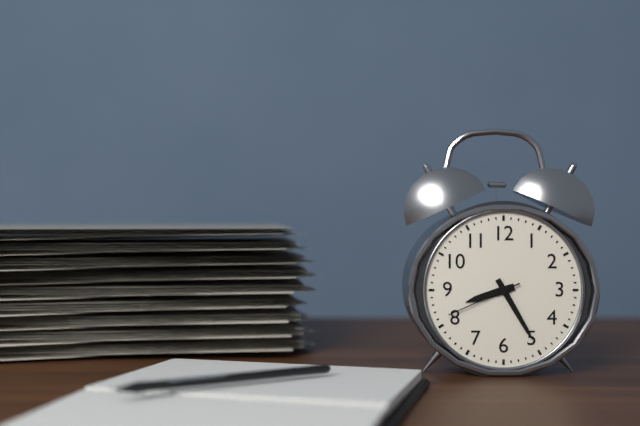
{"hour": 8, "minute": 25, "second": 41}
